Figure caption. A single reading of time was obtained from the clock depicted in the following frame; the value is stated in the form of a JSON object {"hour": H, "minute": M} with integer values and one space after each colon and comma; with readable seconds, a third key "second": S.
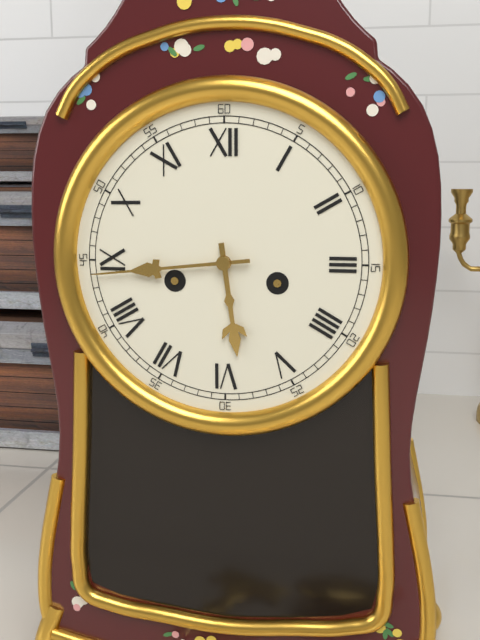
{"hour": 5, "minute": 44}
